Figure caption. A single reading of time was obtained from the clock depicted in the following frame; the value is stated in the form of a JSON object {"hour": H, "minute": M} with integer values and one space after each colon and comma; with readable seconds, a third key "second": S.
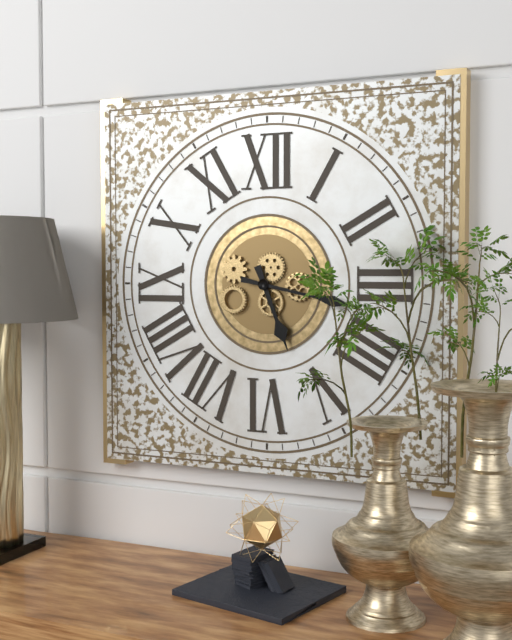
{"hour": 5, "minute": 17}
